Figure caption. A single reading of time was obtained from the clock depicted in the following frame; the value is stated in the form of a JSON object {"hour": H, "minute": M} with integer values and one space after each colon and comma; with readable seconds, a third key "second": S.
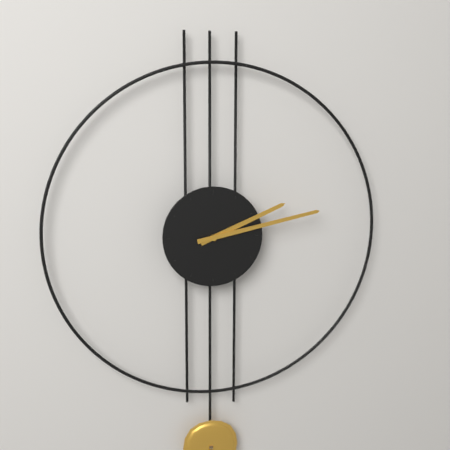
{"hour": 2, "minute": 13}
